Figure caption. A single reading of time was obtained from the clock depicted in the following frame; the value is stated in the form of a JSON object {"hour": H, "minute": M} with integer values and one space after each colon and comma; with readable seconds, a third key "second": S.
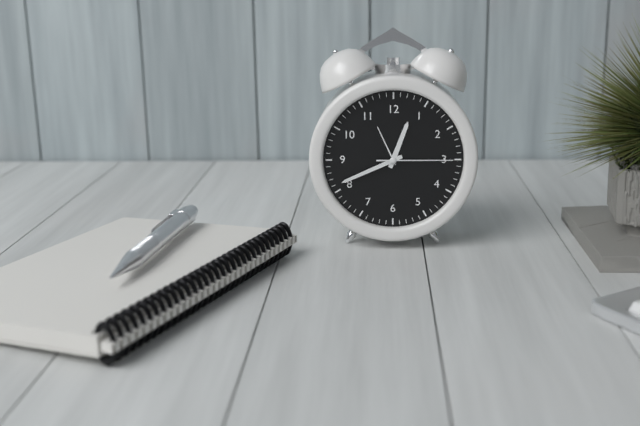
{"hour": 12, "minute": 41, "second": 15}
